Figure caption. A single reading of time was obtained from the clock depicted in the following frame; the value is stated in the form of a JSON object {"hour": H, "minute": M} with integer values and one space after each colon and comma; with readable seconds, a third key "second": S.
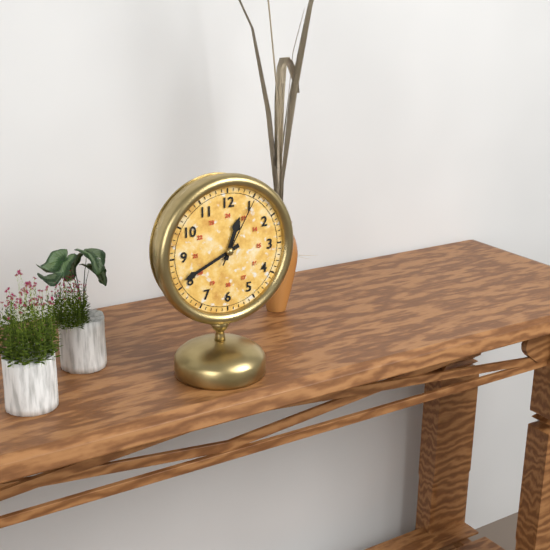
{"hour": 12, "minute": 41, "second": 5}
